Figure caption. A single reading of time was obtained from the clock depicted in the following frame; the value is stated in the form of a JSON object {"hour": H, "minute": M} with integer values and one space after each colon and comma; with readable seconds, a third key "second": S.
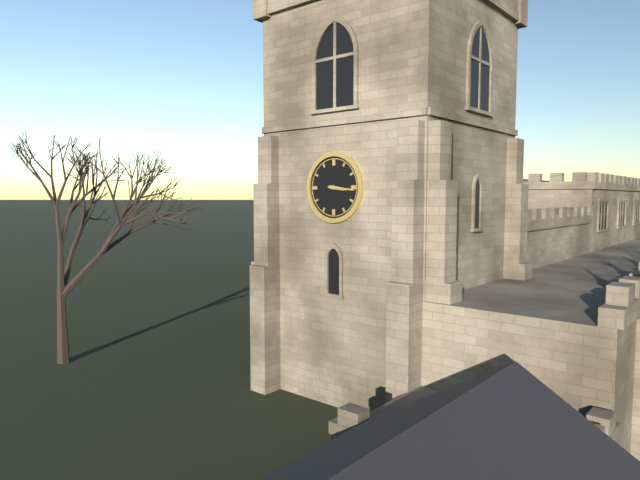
{"hour": 3, "minute": 16}
